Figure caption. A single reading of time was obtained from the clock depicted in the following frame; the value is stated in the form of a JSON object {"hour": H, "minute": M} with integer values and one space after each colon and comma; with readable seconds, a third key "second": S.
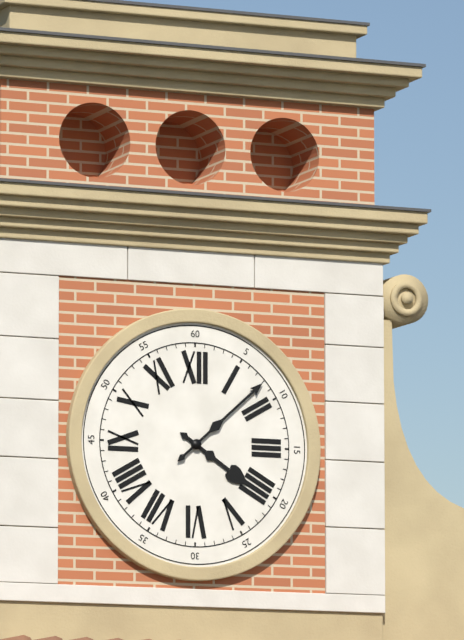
{"hour": 4, "minute": 8}
